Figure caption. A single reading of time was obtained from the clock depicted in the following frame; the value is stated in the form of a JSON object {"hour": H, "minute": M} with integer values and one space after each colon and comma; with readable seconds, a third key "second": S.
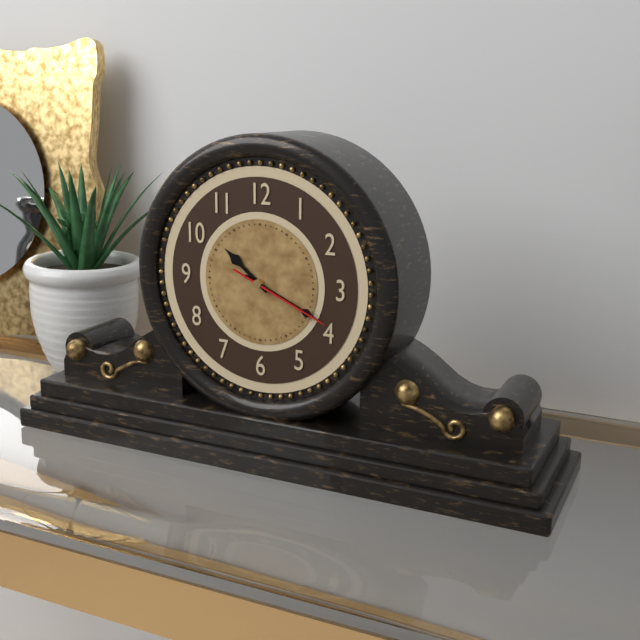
{"hour": 10, "minute": 19, "second": 19}
